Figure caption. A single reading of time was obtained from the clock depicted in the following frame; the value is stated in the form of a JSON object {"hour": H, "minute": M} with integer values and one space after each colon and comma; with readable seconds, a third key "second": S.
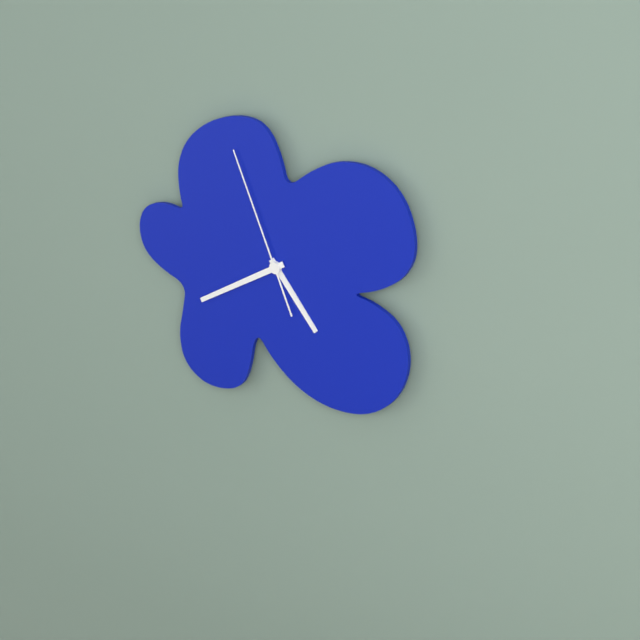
{"hour": 4, "minute": 40, "second": 56}
